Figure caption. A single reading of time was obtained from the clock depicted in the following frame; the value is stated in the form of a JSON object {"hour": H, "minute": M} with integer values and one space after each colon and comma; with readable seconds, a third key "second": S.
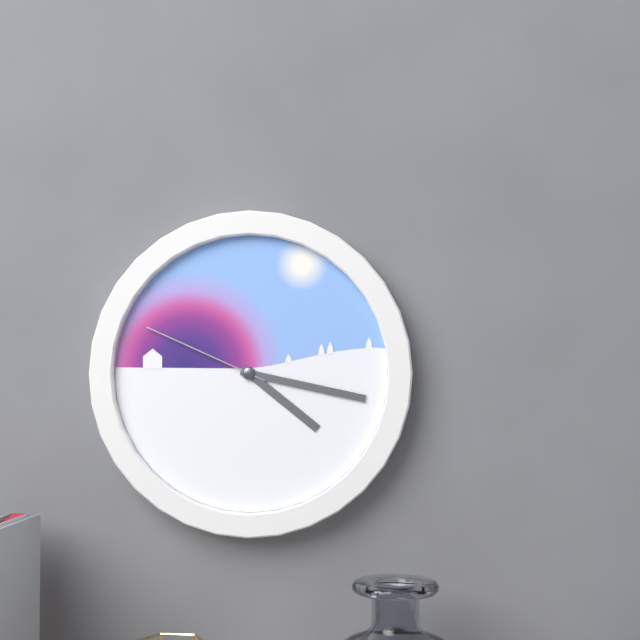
{"hour": 4, "minute": 17, "second": 49}
